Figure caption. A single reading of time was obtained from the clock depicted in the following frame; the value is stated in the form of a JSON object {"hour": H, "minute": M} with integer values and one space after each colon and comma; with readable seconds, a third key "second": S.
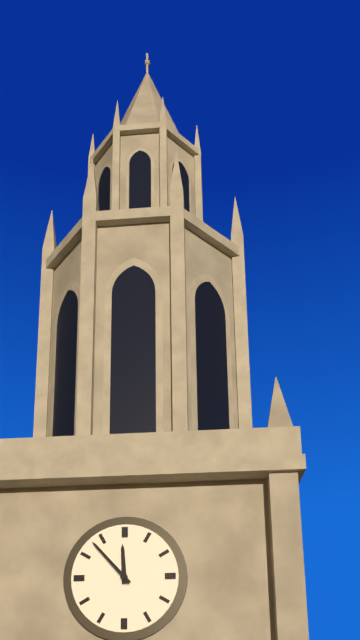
{"hour": 11, "minute": 53}
